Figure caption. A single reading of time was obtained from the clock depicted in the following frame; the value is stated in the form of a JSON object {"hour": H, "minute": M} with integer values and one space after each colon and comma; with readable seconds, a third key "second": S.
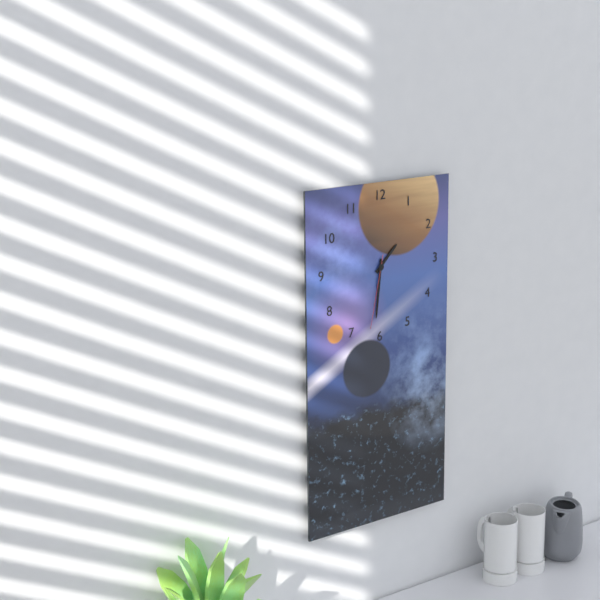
{"hour": 1, "minute": 31, "second": 32}
